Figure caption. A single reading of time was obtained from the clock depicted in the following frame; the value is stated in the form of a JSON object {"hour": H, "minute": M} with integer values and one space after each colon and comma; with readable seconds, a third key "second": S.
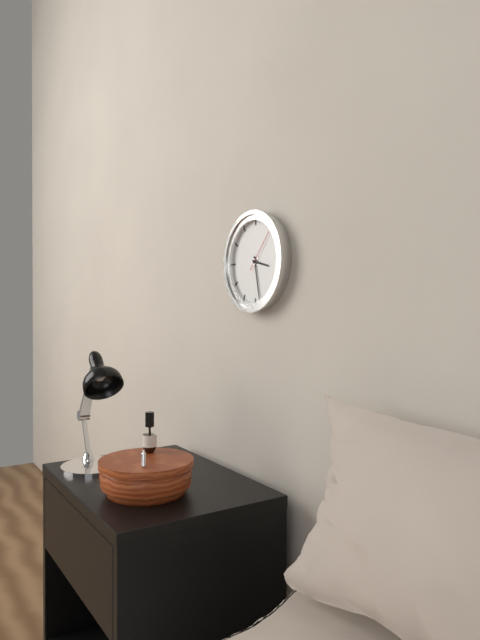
{"hour": 3, "minute": 28}
